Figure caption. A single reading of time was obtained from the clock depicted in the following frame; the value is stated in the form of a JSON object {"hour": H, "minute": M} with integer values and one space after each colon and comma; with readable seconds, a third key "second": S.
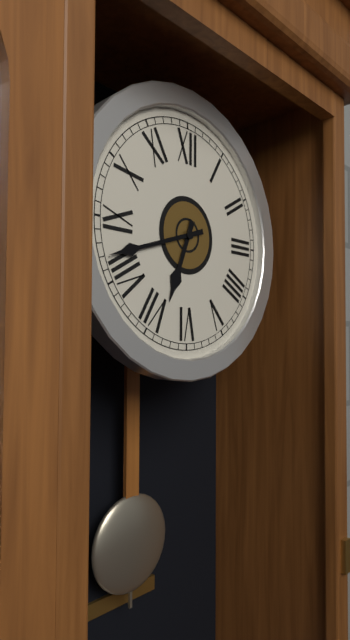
{"hour": 6, "minute": 42}
